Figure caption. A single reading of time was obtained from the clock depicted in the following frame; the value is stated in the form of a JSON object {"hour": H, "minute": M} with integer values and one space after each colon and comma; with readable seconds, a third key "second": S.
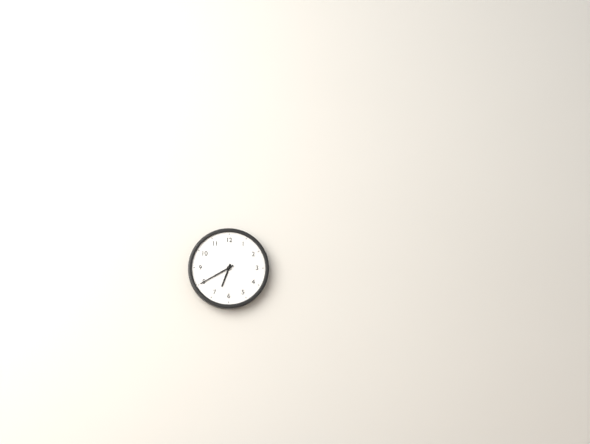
{"hour": 6, "minute": 40}
